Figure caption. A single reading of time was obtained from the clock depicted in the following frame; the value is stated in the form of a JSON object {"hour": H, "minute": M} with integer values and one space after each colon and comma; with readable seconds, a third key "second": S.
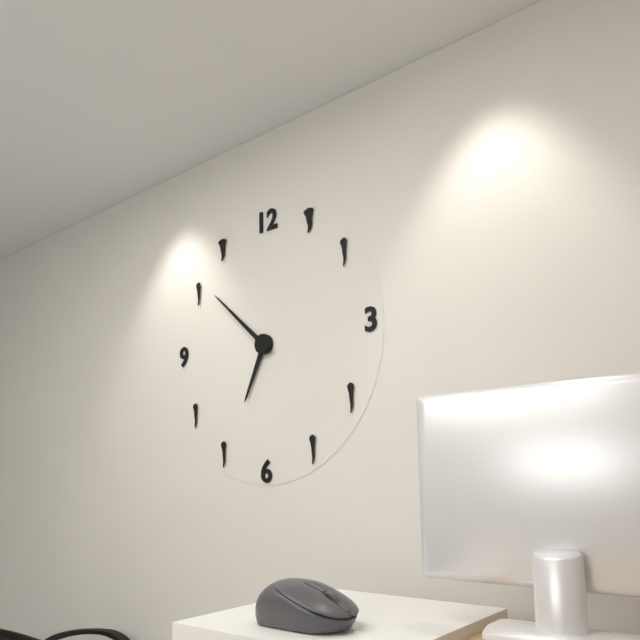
{"hour": 6, "minute": 52}
